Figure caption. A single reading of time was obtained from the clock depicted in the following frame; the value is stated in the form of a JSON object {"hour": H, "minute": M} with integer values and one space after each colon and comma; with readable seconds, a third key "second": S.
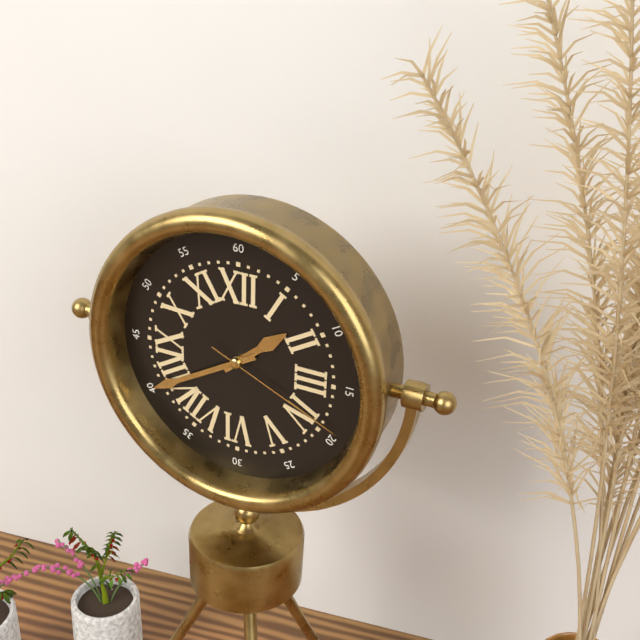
{"hour": 1, "minute": 40, "second": 19}
